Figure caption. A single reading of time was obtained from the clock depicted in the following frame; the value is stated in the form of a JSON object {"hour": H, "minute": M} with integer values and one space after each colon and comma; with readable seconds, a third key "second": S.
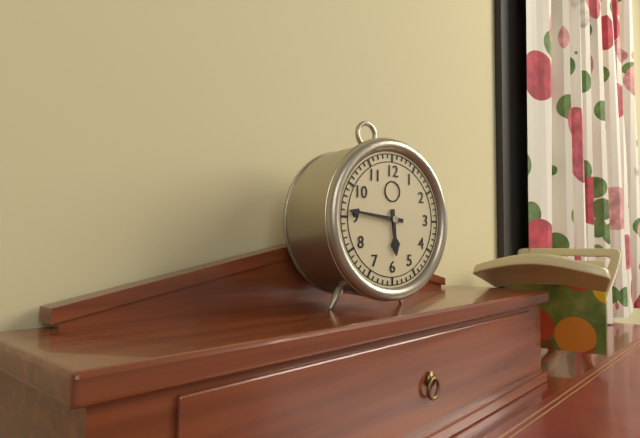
{"hour": 5, "minute": 46}
